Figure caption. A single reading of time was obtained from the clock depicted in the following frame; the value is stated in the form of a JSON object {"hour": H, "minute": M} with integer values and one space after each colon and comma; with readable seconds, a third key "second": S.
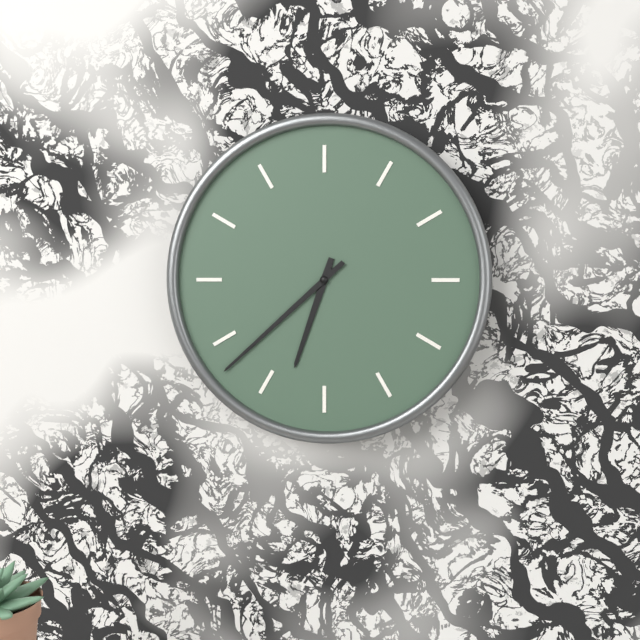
{"hour": 6, "minute": 38}
